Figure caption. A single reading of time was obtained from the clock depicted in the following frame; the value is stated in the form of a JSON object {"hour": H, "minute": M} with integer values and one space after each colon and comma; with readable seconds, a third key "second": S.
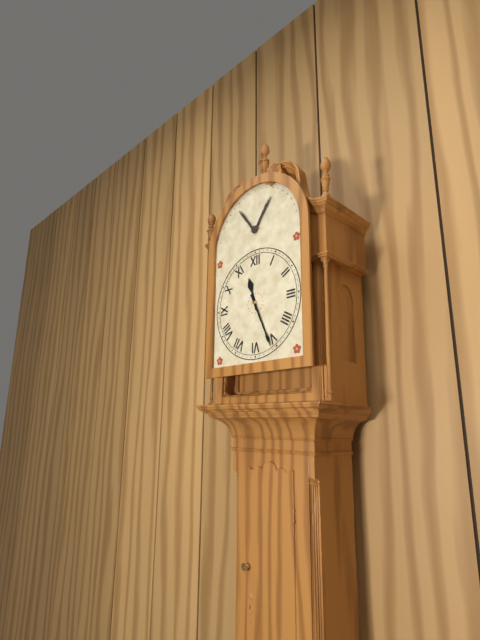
{"hour": 11, "minute": 26}
